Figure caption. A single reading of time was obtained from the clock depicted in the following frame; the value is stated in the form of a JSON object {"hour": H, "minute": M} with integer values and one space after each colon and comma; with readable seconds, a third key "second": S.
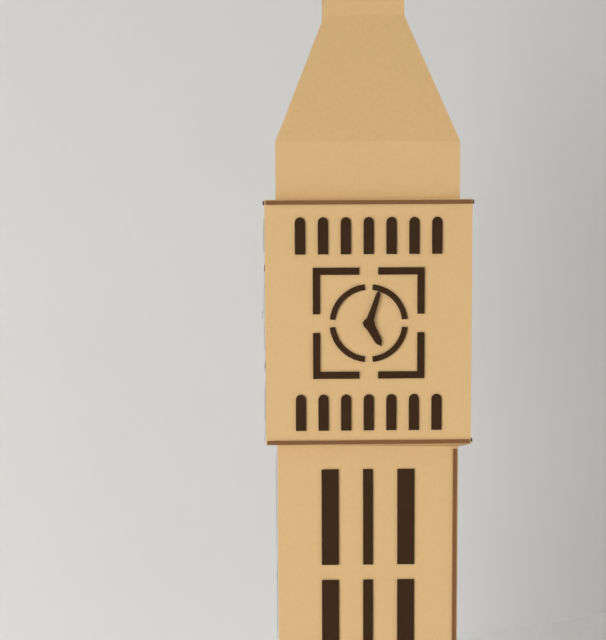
{"hour": 5, "minute": 3}
